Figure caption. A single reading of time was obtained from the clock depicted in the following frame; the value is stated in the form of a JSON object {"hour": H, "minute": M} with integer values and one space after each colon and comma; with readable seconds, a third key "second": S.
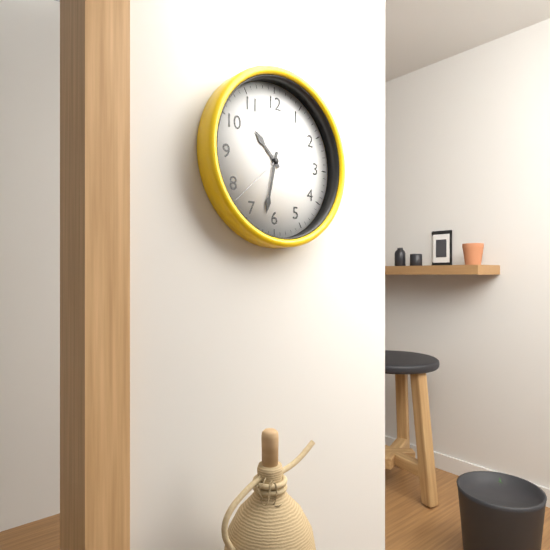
{"hour": 10, "minute": 32, "second": 38}
